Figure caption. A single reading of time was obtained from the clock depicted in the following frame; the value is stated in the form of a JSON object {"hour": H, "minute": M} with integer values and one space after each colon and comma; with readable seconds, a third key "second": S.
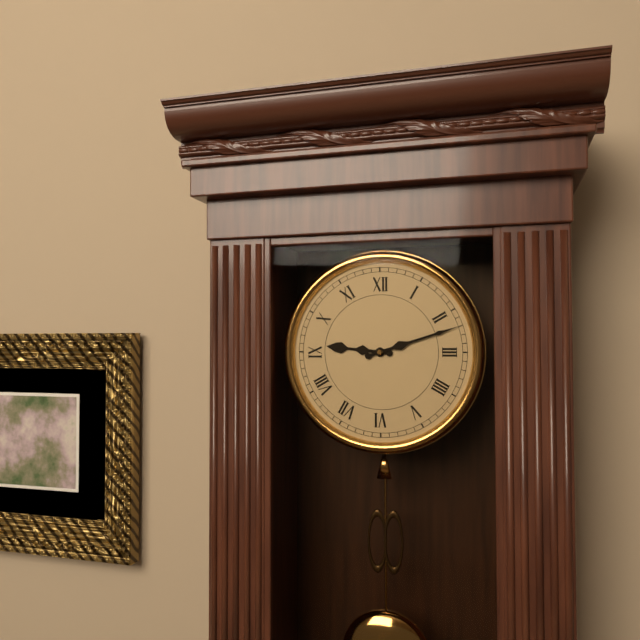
{"hour": 9, "minute": 12}
